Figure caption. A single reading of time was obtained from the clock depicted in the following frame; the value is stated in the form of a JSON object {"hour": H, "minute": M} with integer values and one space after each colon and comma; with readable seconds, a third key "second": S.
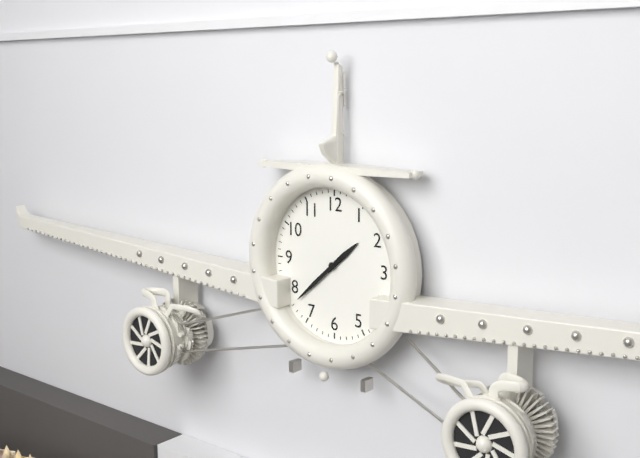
{"hour": 1, "minute": 38}
